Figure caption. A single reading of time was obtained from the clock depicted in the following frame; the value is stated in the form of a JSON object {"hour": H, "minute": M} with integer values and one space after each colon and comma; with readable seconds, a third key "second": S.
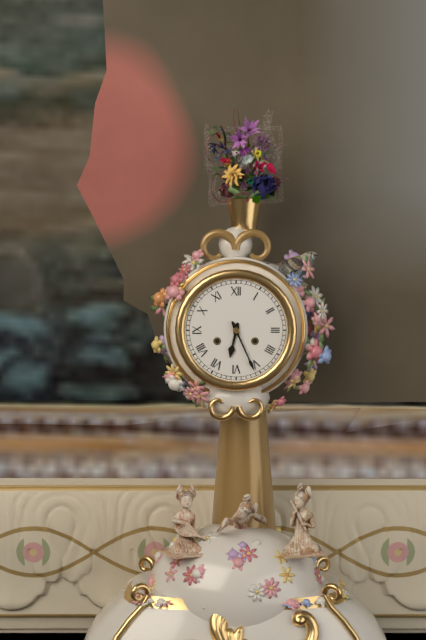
{"hour": 6, "minute": 26}
